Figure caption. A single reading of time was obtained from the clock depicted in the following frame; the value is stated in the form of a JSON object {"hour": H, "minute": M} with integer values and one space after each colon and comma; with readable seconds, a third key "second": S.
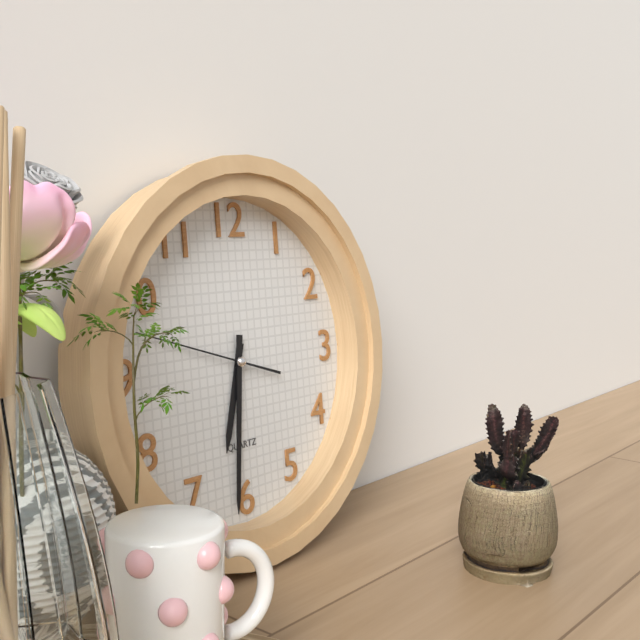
{"hour": 6, "minute": 31, "second": 48}
